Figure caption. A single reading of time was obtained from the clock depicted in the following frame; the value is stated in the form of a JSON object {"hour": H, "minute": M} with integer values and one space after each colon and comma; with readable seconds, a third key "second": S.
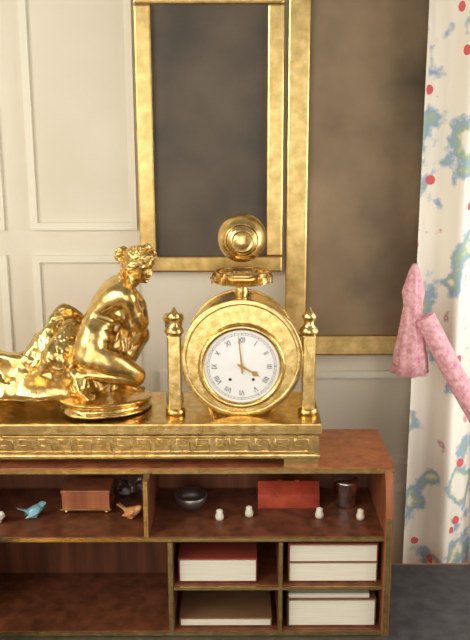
{"hour": 3, "minute": 59}
